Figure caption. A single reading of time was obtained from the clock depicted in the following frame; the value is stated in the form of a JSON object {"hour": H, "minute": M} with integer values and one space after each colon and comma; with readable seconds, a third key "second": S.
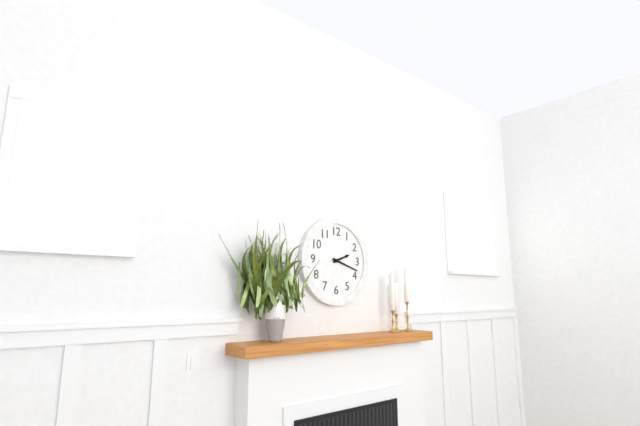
{"hour": 2, "minute": 18}
